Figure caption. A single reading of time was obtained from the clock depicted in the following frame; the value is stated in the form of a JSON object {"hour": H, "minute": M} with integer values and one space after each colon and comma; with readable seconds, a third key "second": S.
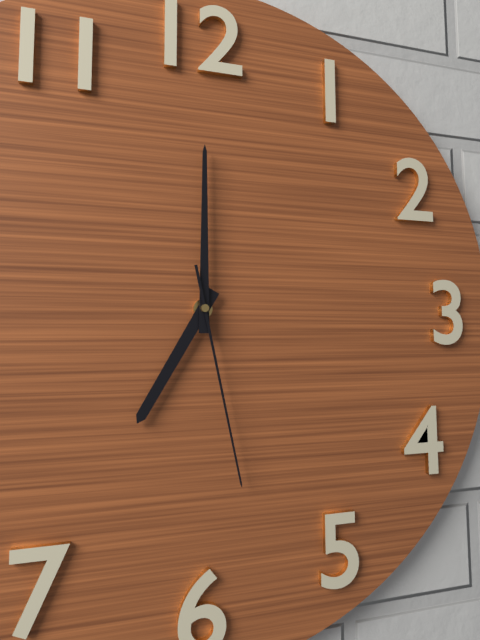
{"hour": 7, "minute": 0, "second": 28}
